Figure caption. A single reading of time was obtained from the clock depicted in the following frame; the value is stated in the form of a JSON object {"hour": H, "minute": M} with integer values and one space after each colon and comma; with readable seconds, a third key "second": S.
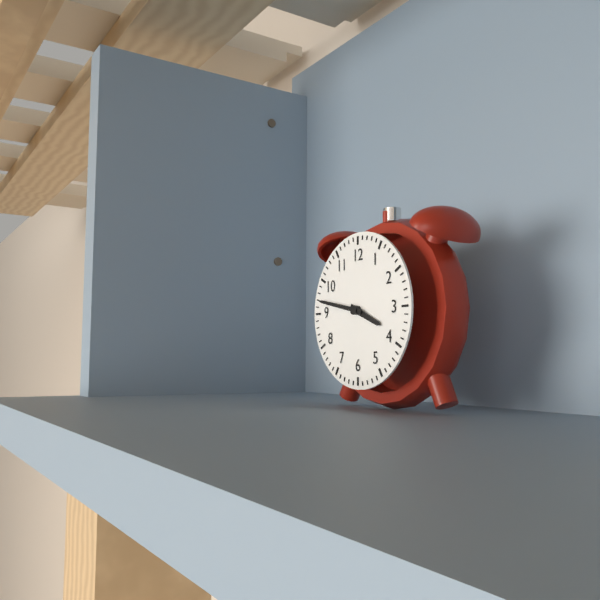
{"hour": 3, "minute": 47}
